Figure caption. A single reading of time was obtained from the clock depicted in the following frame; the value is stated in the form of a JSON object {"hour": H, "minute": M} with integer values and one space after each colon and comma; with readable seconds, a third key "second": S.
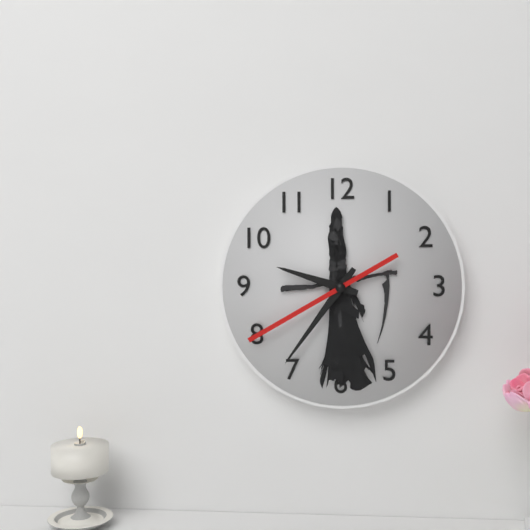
{"hour": 9, "minute": 36, "second": 40}
